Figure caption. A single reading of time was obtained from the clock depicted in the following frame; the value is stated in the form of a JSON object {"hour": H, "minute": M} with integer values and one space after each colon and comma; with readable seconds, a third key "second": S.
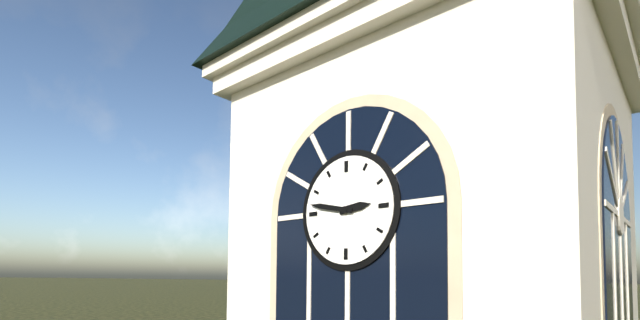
{"hour": 2, "minute": 47}
